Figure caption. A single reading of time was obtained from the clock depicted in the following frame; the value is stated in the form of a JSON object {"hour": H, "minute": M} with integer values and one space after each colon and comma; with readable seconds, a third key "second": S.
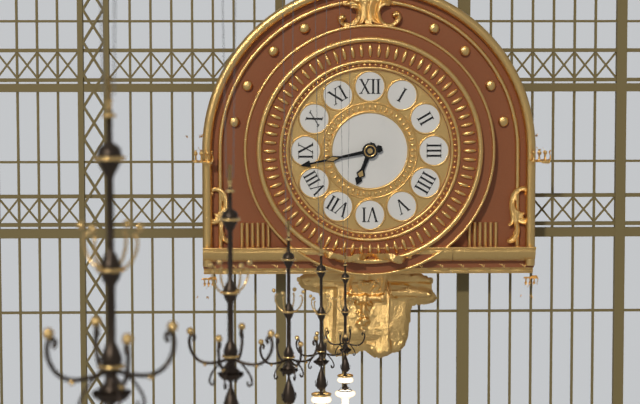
{"hour": 6, "minute": 43}
